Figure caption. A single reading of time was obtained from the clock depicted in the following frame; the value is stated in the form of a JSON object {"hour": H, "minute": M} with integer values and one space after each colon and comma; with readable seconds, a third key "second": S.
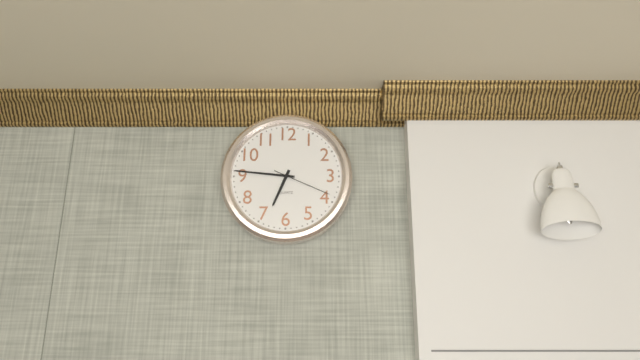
{"hour": 6, "minute": 46, "second": 19}
